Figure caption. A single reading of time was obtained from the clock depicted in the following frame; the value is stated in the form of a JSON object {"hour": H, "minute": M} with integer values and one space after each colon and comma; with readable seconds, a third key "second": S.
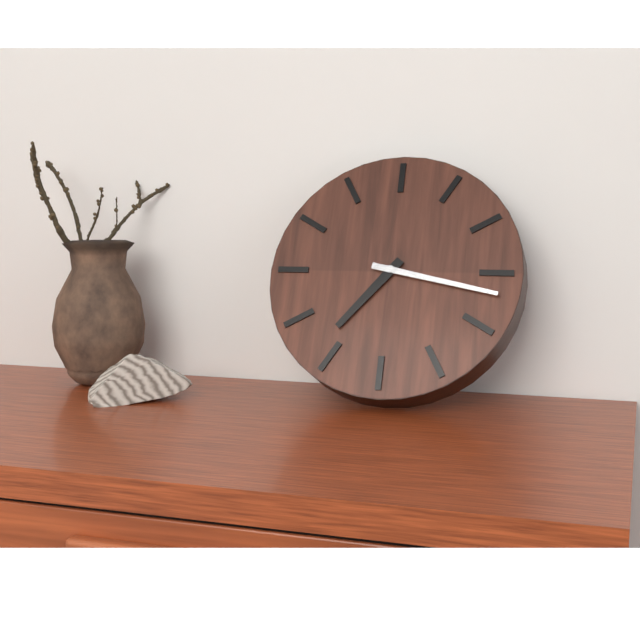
{"hour": 7, "minute": 17}
